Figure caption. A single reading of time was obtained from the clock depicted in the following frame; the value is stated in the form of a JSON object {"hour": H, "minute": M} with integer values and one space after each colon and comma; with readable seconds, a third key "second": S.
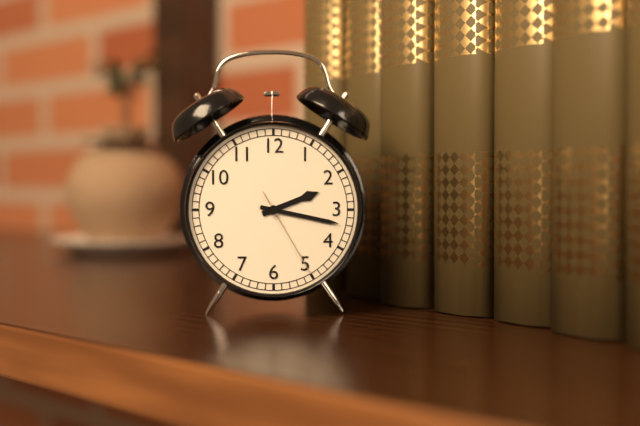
{"hour": 2, "minute": 17, "second": 25}
